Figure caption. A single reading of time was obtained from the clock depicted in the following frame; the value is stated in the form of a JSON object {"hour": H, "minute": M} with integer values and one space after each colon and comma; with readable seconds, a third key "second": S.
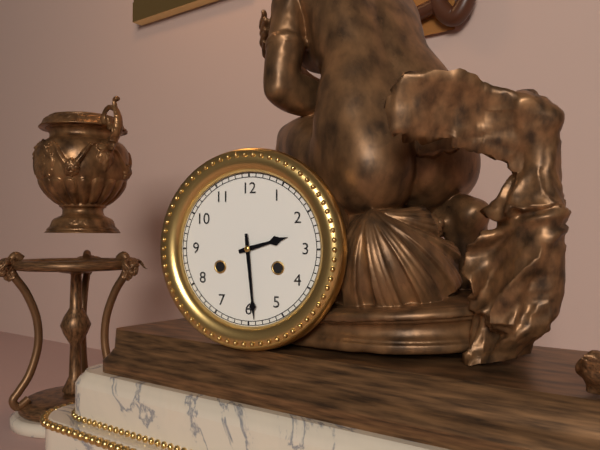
{"hour": 2, "minute": 29}
